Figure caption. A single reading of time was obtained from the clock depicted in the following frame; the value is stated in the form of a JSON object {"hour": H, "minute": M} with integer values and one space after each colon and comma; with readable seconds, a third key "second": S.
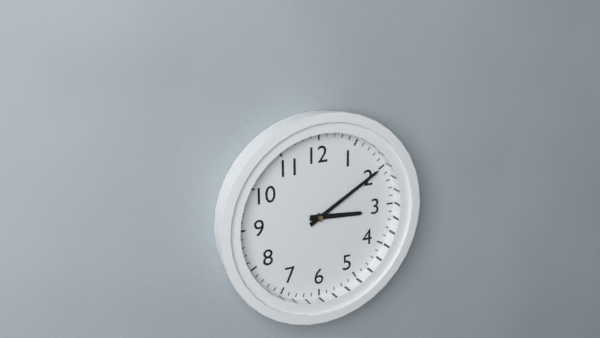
{"hour": 3, "minute": 10}
